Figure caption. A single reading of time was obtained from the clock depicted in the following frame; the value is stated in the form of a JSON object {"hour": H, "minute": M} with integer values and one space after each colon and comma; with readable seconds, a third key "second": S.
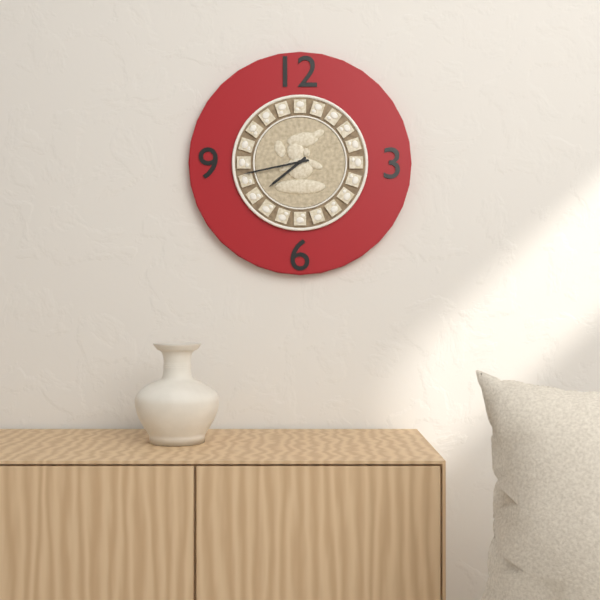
{"hour": 7, "minute": 43}
